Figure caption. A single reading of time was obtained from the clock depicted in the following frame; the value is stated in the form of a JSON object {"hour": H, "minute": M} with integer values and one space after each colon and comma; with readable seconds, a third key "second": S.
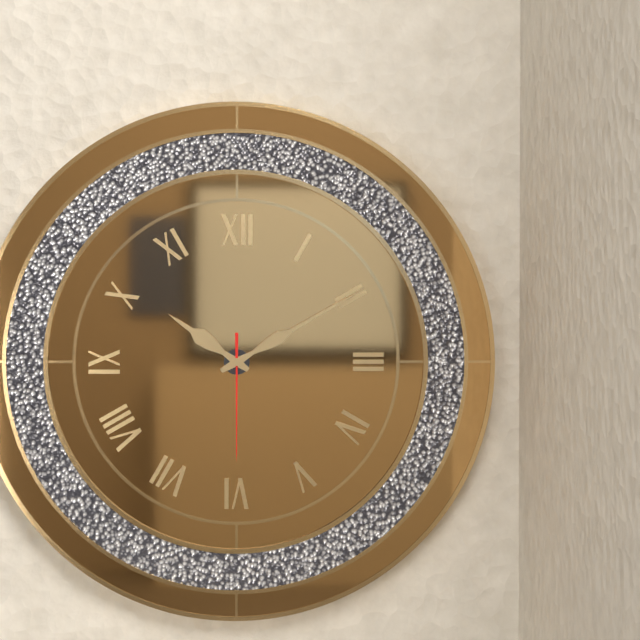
{"hour": 10, "minute": 10, "second": 30}
